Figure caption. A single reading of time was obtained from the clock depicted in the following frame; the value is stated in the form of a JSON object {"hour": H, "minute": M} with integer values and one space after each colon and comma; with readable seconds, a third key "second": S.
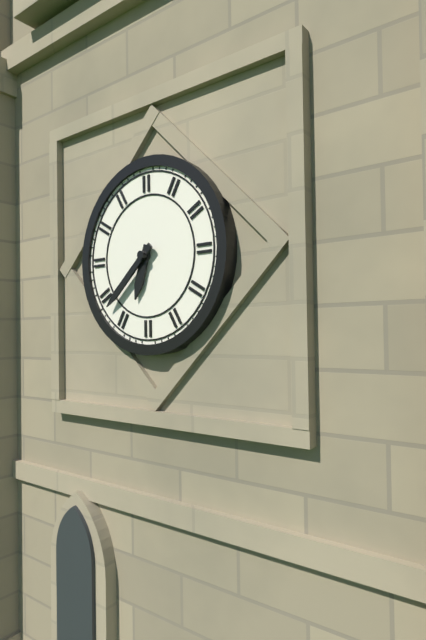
{"hour": 6, "minute": 38}
